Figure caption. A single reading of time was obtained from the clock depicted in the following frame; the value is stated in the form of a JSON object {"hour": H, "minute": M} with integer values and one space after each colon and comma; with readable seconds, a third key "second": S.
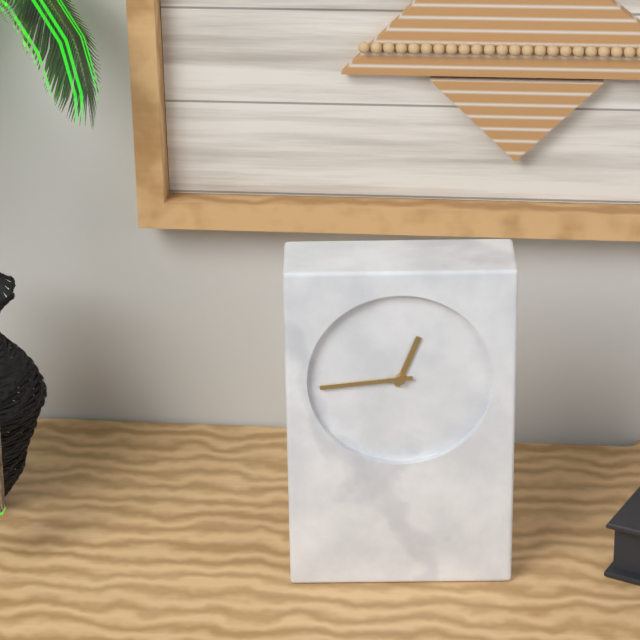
{"hour": 12, "minute": 44}
